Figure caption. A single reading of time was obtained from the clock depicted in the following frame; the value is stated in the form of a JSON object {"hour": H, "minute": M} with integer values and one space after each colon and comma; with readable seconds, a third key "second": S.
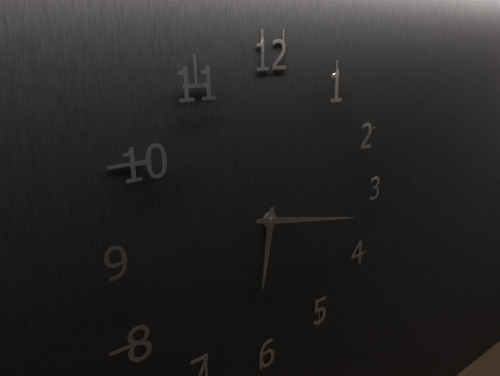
{"hour": 6, "minute": 17}
